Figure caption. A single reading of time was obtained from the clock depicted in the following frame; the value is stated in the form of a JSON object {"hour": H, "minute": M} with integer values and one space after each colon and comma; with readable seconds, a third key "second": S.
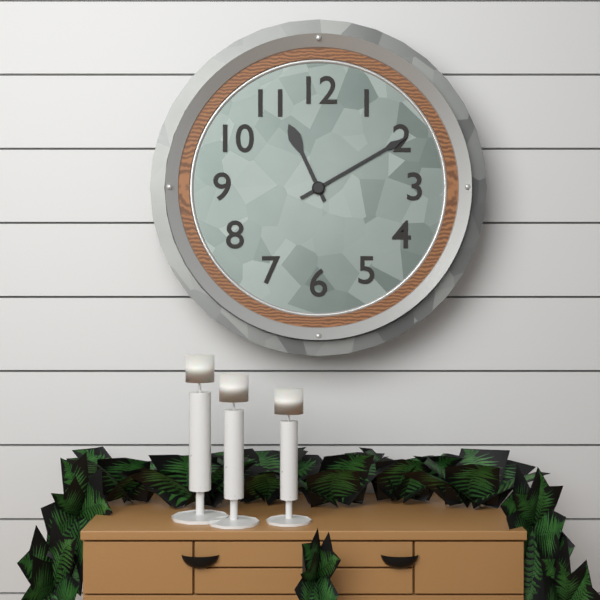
{"hour": 11, "minute": 10}
